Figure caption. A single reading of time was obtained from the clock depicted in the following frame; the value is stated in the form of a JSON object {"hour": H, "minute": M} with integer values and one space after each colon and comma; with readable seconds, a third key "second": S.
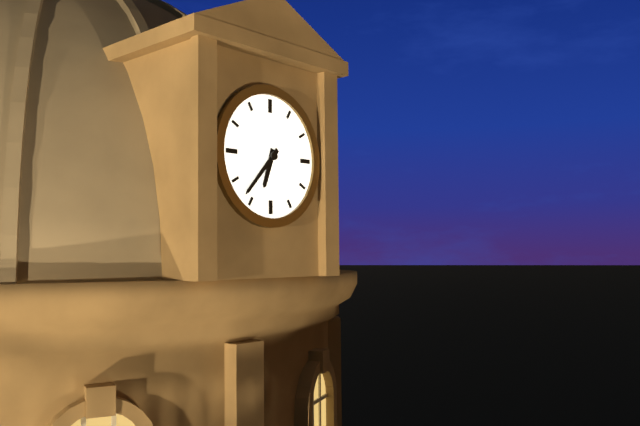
{"hour": 6, "minute": 37}
